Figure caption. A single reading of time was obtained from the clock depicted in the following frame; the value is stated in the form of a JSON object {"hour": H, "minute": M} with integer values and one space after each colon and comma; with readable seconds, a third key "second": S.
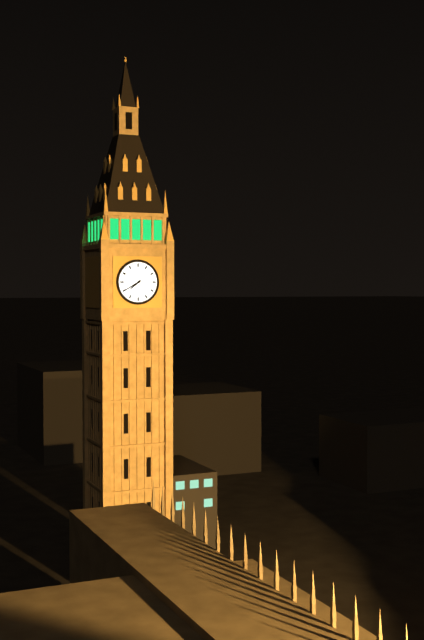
{"hour": 7, "minute": 40}
